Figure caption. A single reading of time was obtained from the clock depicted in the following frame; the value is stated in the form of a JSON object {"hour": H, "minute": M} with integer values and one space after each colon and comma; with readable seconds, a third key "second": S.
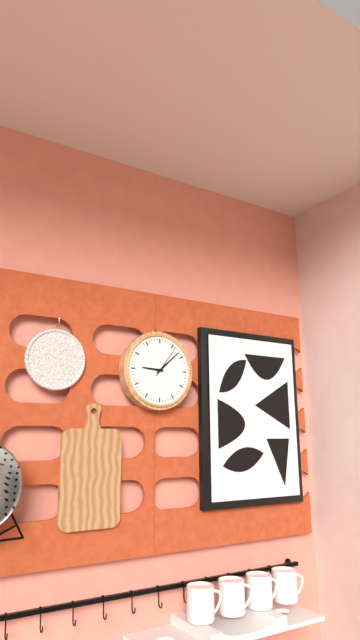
{"hour": 9, "minute": 8}
